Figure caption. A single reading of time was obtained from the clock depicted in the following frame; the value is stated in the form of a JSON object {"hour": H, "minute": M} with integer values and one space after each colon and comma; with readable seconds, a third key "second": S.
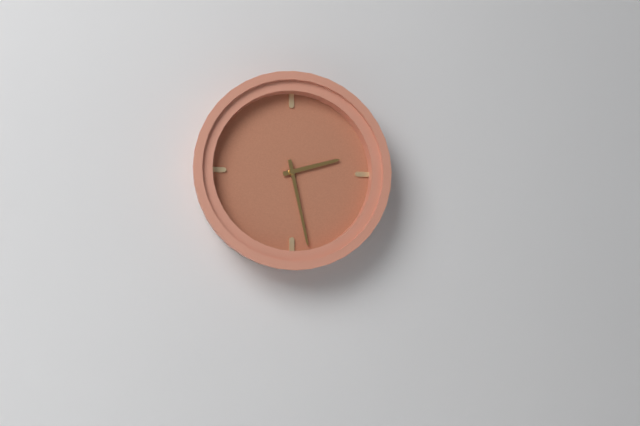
{"hour": 2, "minute": 28}
